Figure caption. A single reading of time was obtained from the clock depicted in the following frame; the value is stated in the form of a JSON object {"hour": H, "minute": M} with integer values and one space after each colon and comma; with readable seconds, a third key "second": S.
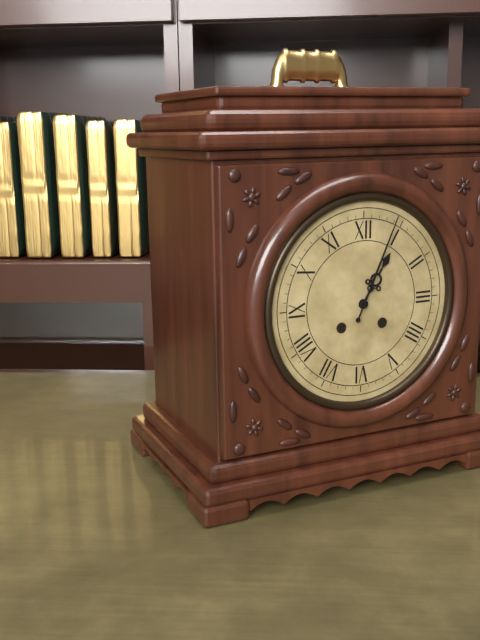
{"hour": 1, "minute": 4}
